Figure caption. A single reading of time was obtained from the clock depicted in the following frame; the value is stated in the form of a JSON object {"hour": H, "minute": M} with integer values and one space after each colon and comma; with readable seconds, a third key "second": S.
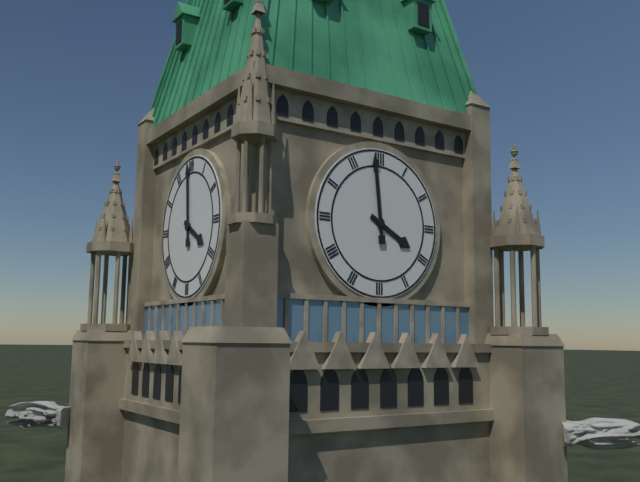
{"hour": 3, "minute": 59}
